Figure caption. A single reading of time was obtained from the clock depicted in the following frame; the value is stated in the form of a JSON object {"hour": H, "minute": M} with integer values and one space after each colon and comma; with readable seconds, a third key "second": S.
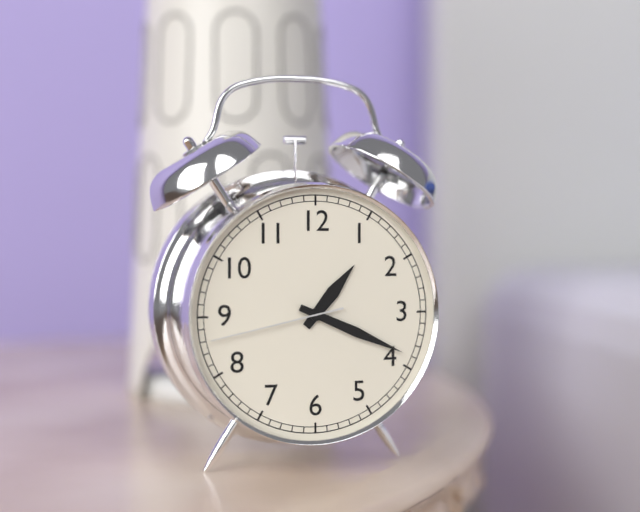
{"hour": 1, "minute": 19, "second": 43}
